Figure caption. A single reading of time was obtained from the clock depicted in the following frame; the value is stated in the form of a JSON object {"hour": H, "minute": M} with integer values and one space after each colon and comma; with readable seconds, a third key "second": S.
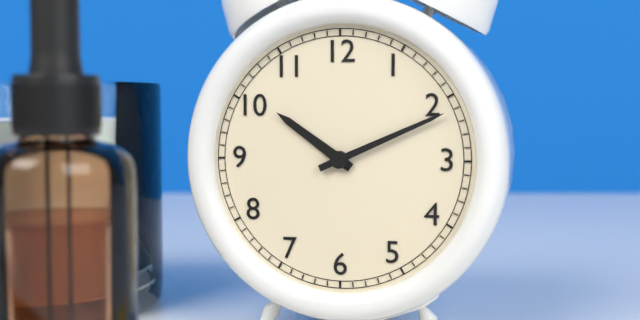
{"hour": 10, "minute": 11}
